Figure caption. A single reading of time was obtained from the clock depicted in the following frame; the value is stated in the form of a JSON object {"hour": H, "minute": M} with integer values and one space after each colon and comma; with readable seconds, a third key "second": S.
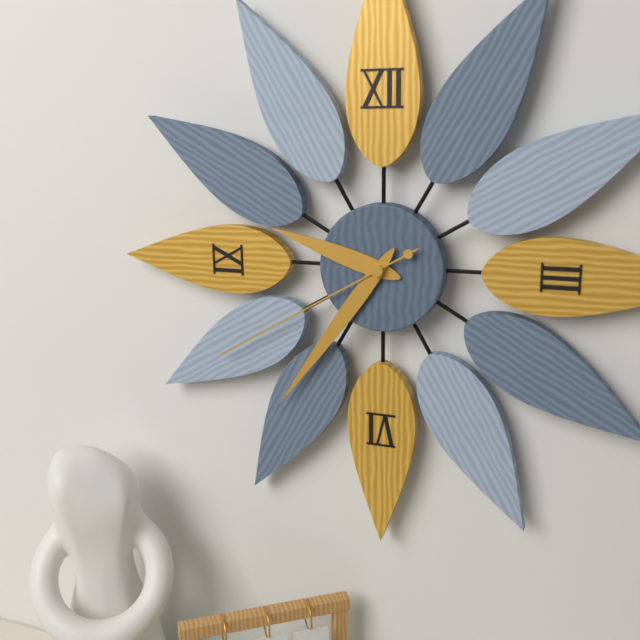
{"hour": 9, "minute": 36, "second": 40}
